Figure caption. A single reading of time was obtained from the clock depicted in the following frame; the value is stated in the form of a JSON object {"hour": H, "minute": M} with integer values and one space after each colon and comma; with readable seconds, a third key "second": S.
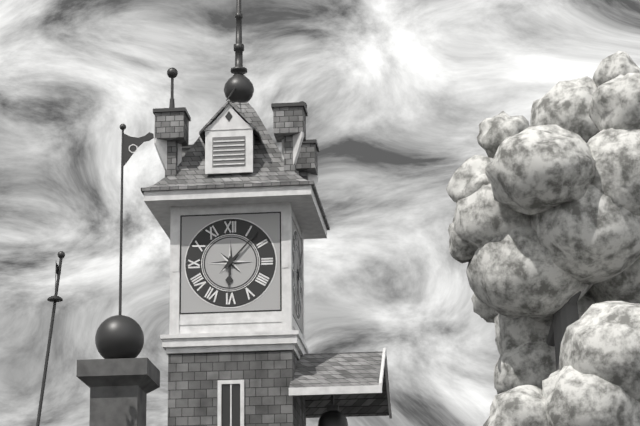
{"hour": 6, "minute": 7}
